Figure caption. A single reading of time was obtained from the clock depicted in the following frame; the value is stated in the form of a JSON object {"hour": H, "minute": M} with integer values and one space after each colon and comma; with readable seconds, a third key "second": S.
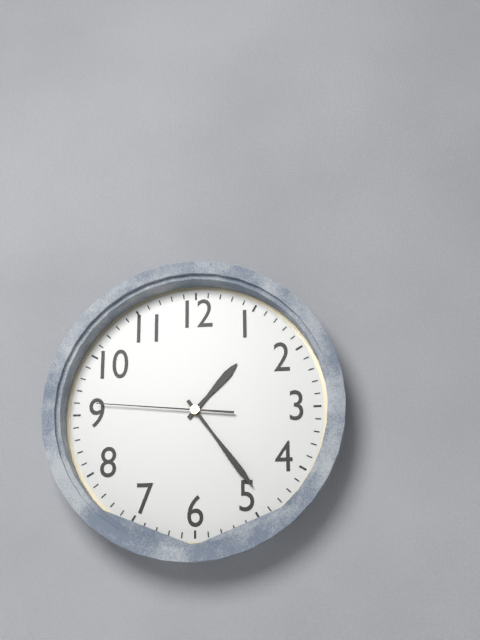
{"hour": 1, "minute": 24, "second": 46}
